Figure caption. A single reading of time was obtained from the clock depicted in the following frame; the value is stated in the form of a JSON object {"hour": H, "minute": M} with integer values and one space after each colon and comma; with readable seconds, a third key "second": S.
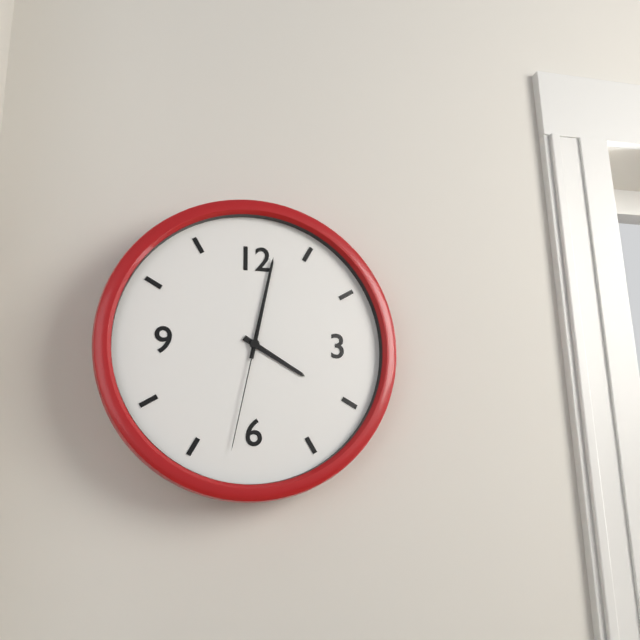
{"hour": 4, "minute": 2, "second": 32}
